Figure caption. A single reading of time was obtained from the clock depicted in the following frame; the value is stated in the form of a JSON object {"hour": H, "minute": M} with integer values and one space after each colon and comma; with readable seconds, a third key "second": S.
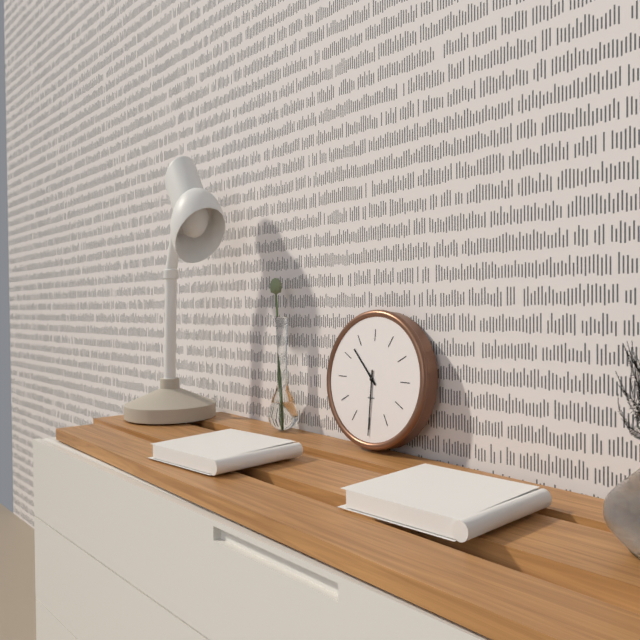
{"hour": 10, "minute": 30}
